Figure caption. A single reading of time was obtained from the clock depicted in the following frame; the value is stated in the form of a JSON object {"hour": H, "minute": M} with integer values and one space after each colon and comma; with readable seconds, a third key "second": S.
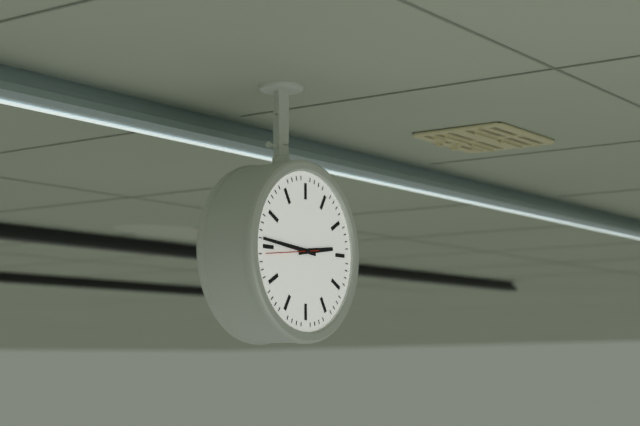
{"hour": 2, "minute": 46}
